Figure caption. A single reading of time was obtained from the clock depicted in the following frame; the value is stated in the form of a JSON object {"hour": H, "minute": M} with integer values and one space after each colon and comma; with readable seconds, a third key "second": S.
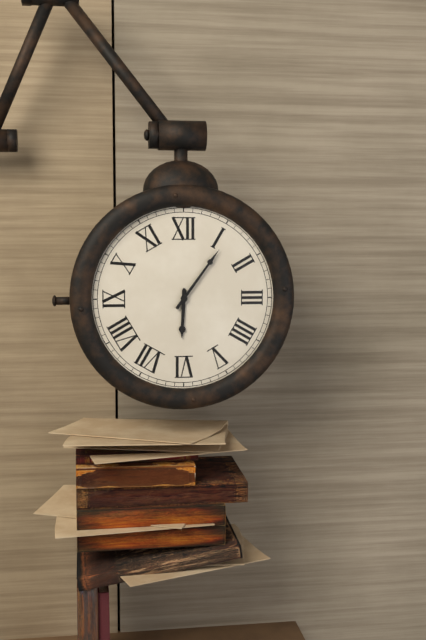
{"hour": 6, "minute": 6}
